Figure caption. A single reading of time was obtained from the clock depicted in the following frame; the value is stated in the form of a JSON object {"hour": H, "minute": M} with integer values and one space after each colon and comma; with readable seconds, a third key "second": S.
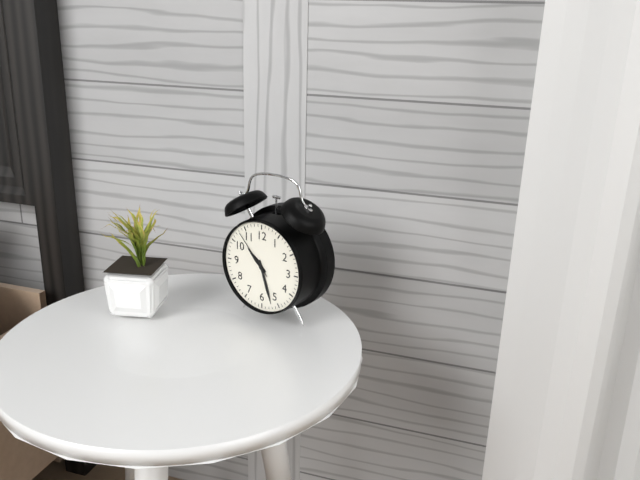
{"hour": 10, "minute": 27, "second": 53}
